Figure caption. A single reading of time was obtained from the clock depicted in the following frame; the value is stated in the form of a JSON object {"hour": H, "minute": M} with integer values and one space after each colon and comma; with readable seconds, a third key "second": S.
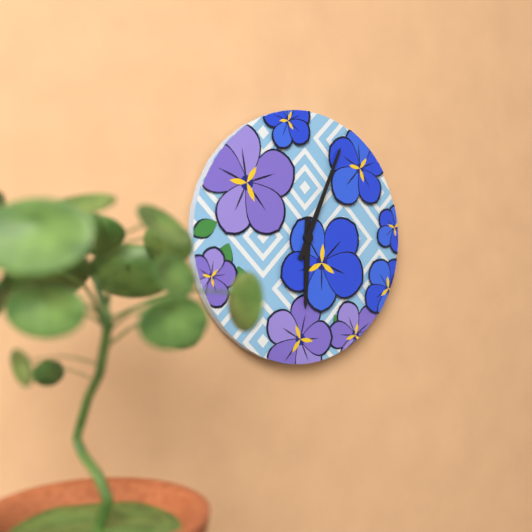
{"hour": 6, "minute": 4}
